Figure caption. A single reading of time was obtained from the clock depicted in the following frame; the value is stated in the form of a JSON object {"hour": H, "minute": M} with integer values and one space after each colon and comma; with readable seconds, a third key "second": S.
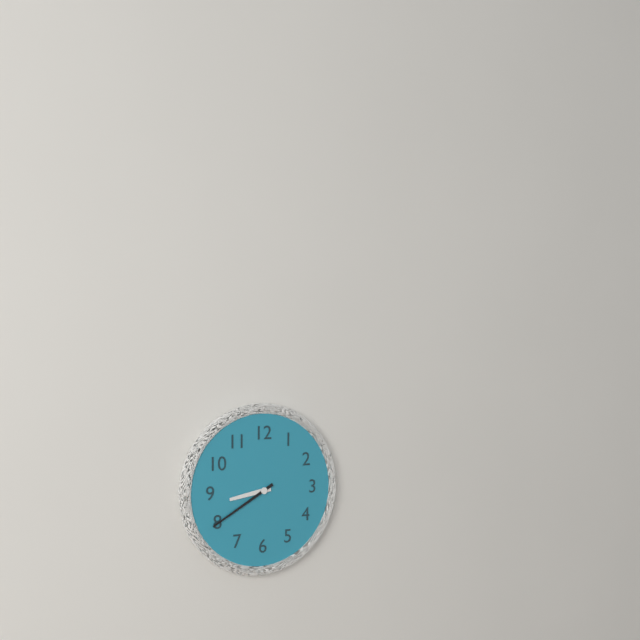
{"hour": 8, "minute": 40}
